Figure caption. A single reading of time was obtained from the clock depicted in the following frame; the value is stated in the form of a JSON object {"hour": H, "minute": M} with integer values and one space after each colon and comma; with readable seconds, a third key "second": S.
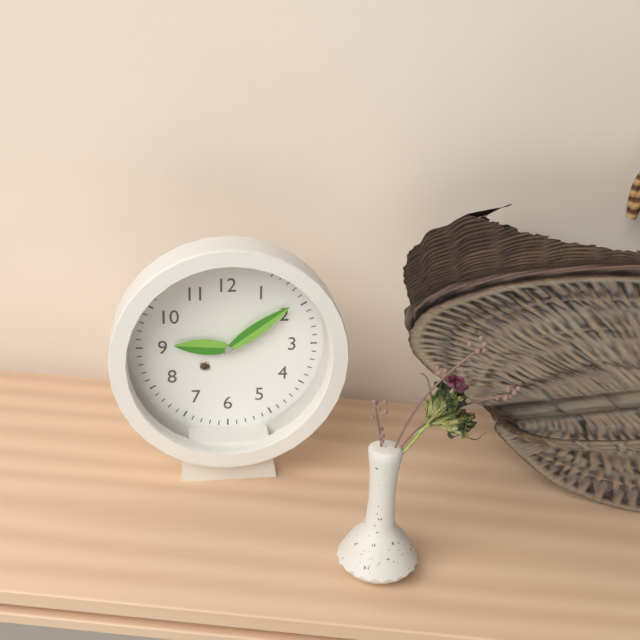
{"hour": 9, "minute": 9}
